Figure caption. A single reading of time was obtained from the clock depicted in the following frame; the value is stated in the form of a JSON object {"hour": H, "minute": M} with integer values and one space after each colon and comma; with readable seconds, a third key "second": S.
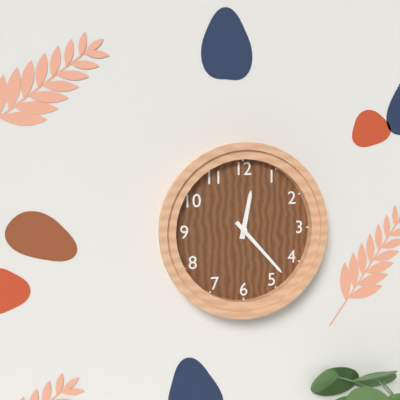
{"hour": 12, "minute": 23}
